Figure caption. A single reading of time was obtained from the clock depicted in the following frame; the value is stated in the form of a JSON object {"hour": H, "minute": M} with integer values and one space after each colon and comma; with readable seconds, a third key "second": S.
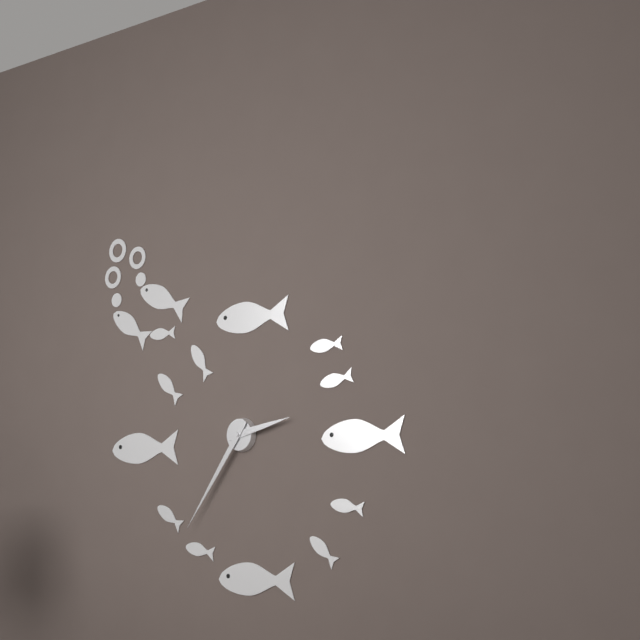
{"hour": 2, "minute": 36}
